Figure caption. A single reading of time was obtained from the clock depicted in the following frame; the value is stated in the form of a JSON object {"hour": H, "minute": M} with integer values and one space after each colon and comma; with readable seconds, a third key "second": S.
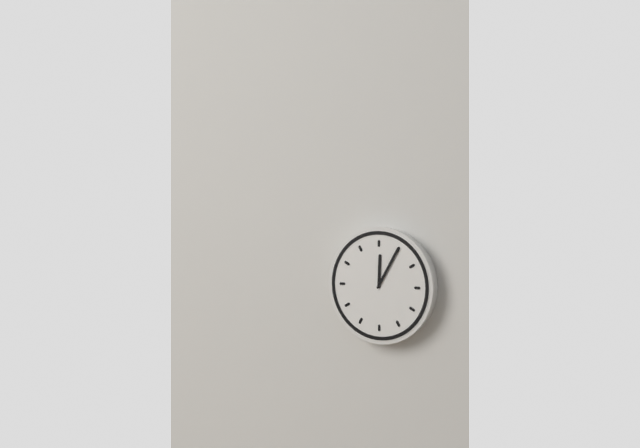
{"hour": 12, "minute": 5}
